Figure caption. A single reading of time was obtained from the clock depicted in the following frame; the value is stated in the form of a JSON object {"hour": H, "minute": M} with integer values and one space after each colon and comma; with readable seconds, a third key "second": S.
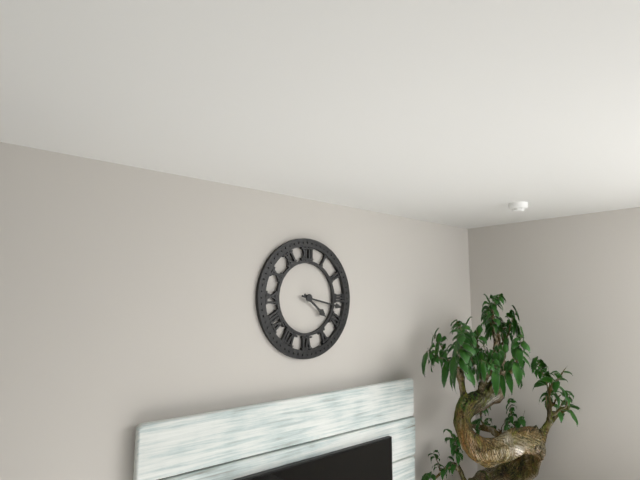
{"hour": 4, "minute": 17}
